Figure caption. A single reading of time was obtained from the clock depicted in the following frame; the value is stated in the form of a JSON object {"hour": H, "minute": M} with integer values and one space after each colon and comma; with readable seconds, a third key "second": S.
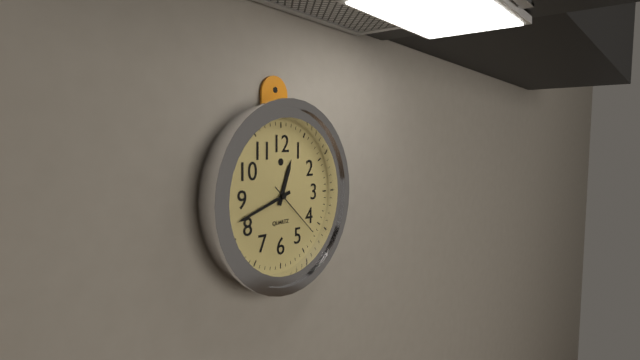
{"hour": 12, "minute": 42, "second": 22}
